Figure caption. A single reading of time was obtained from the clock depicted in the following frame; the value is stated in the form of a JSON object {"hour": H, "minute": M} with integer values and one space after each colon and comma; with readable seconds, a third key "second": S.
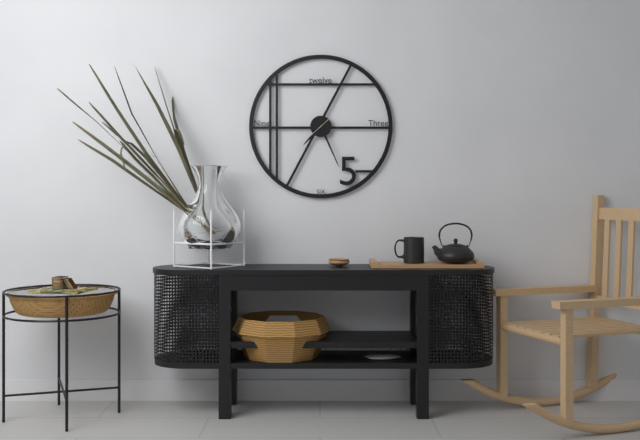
{"hour": 7, "minute": 26}
